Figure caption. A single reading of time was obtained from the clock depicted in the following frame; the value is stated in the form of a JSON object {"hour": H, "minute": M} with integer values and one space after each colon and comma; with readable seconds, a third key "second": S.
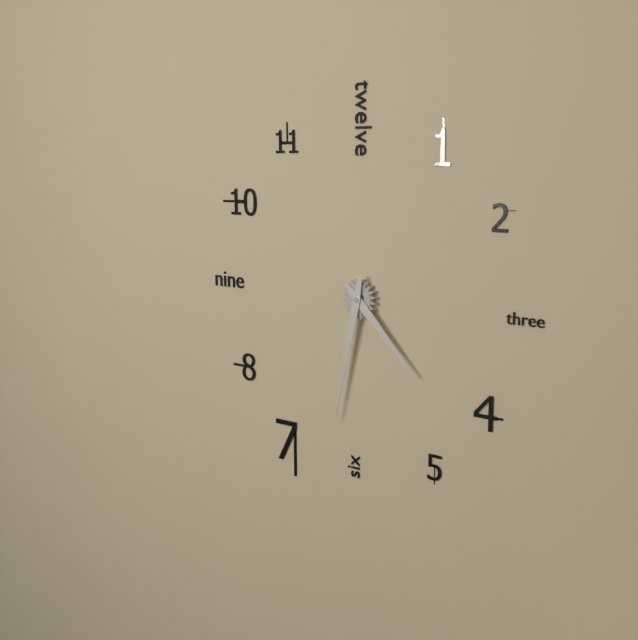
{"hour": 4, "minute": 32}
